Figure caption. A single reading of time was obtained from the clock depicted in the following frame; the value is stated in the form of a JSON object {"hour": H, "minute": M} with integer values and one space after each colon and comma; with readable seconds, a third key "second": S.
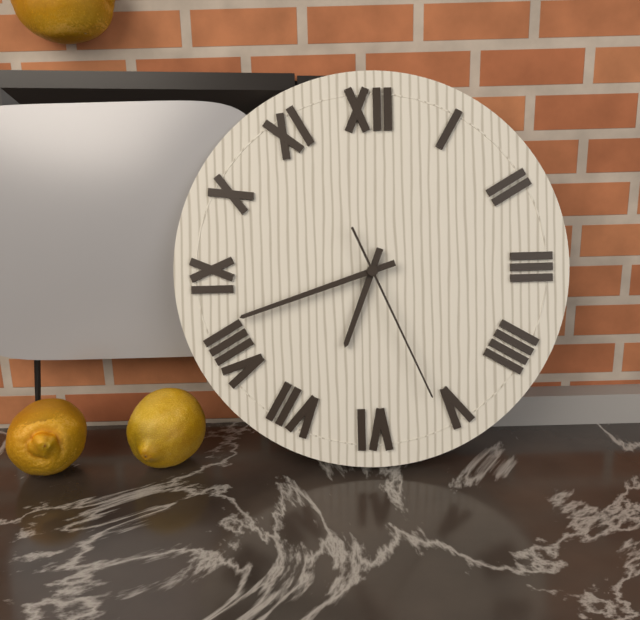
{"hour": 6, "minute": 42, "second": 26}
